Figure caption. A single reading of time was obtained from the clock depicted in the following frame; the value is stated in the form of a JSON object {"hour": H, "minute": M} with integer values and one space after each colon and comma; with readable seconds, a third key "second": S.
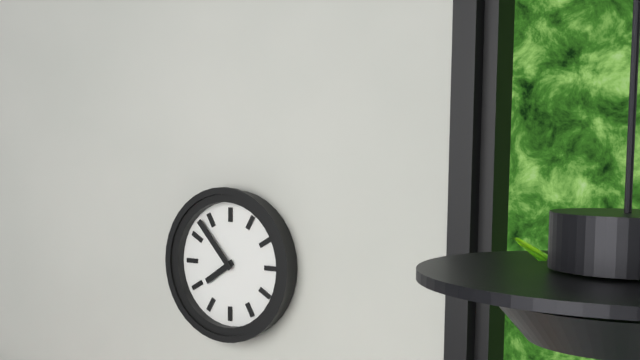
{"hour": 7, "minute": 53}
